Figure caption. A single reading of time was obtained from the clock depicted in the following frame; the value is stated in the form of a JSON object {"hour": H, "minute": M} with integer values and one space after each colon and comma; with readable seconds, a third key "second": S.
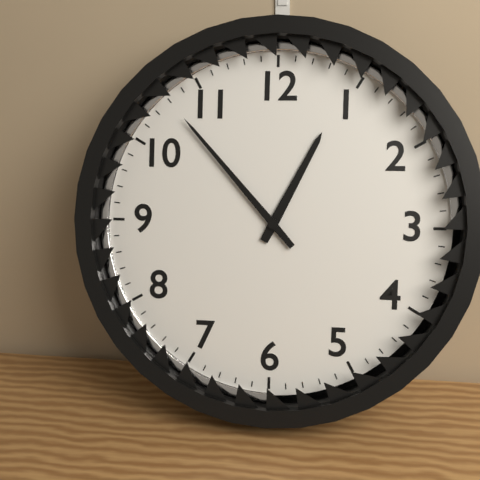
{"hour": 12, "minute": 53}
